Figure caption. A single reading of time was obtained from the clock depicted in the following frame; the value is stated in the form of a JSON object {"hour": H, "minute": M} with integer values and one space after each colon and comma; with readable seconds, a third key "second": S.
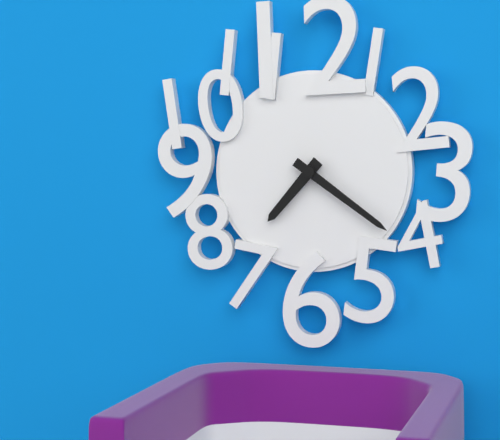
{"hour": 7, "minute": 21}
